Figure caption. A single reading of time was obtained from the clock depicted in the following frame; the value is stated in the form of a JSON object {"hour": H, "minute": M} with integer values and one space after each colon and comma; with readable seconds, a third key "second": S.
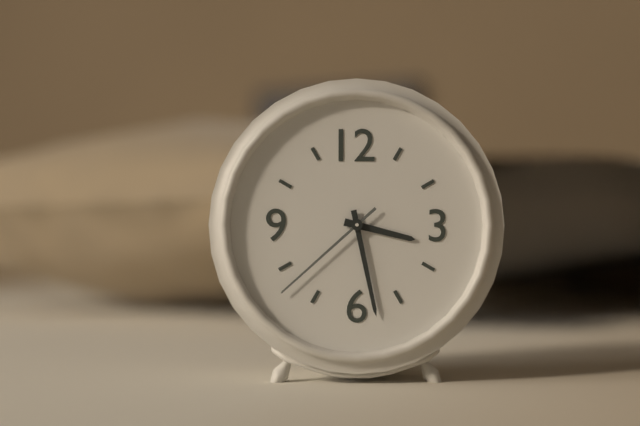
{"hour": 3, "minute": 28, "second": 38}
